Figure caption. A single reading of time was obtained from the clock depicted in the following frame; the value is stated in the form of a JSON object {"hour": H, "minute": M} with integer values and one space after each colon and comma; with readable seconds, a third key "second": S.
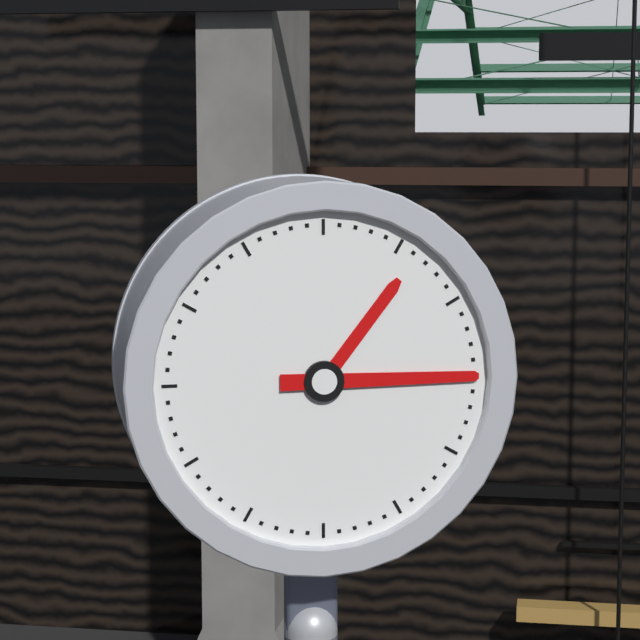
{"hour": 1, "minute": 15}
